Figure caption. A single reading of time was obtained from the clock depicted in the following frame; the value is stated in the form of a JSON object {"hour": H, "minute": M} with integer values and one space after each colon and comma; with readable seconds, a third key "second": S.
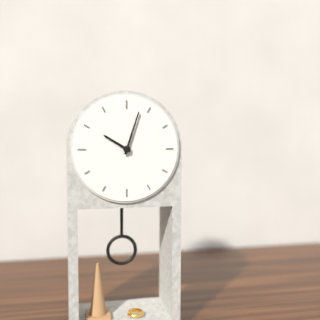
{"hour": 10, "minute": 3}
